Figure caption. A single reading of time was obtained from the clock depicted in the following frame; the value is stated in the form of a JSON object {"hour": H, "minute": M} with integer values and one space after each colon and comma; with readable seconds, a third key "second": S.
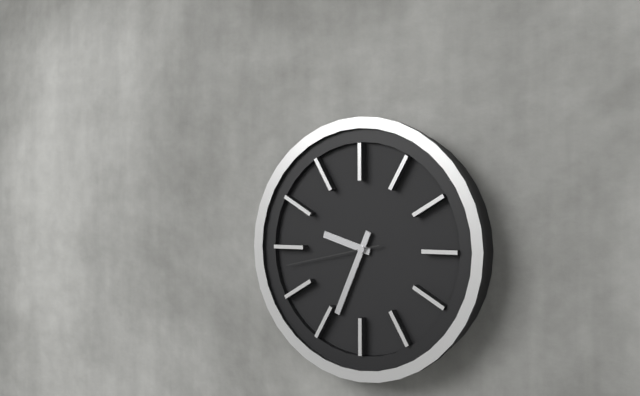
{"hour": 9, "minute": 34, "second": 43}
